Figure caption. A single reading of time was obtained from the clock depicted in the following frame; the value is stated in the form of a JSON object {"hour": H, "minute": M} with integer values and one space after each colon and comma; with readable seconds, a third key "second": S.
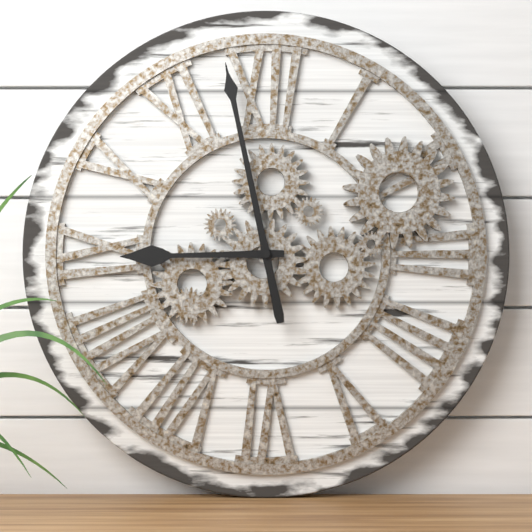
{"hour": 8, "minute": 58}
